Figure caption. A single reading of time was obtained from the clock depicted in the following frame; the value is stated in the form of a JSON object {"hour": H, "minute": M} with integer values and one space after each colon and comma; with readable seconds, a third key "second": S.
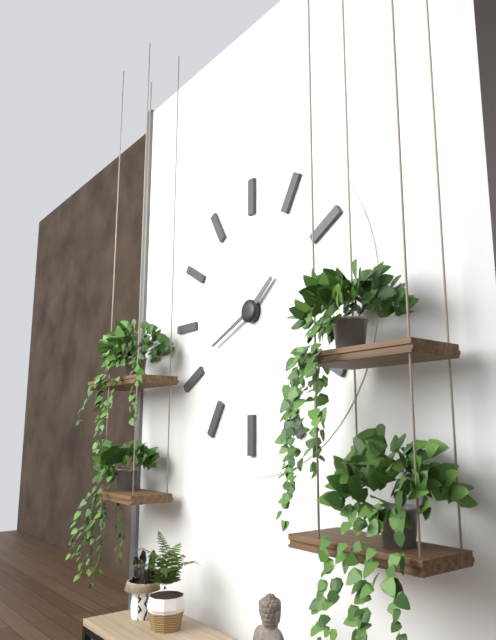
{"hour": 1, "minute": 41}
